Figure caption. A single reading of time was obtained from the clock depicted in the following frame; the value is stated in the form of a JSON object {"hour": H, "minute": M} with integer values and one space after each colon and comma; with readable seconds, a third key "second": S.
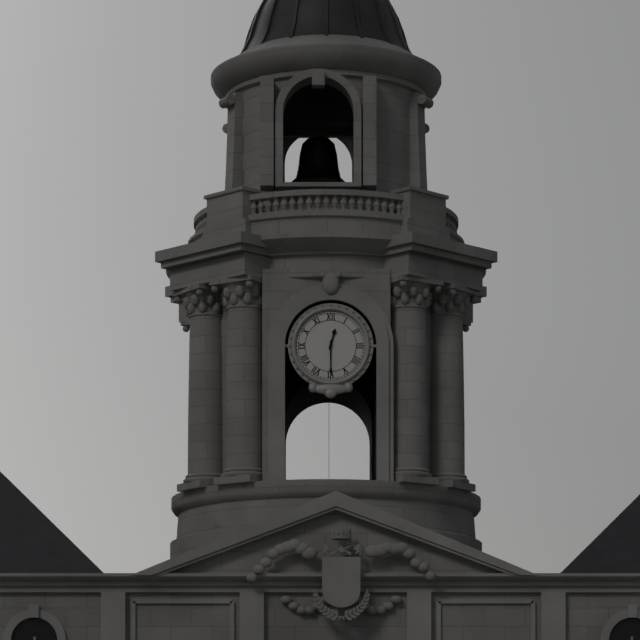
{"hour": 12, "minute": 30}
